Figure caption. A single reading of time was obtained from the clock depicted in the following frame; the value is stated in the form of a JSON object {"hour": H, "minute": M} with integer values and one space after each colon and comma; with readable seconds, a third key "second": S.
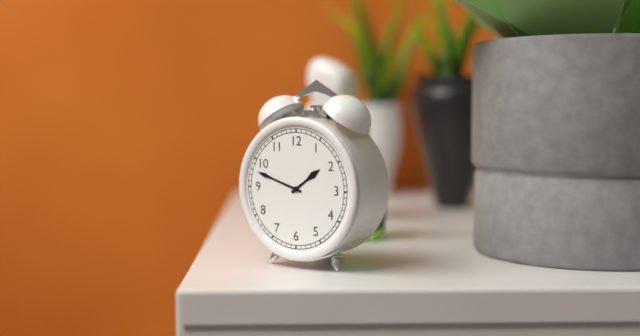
{"hour": 1, "minute": 48}
